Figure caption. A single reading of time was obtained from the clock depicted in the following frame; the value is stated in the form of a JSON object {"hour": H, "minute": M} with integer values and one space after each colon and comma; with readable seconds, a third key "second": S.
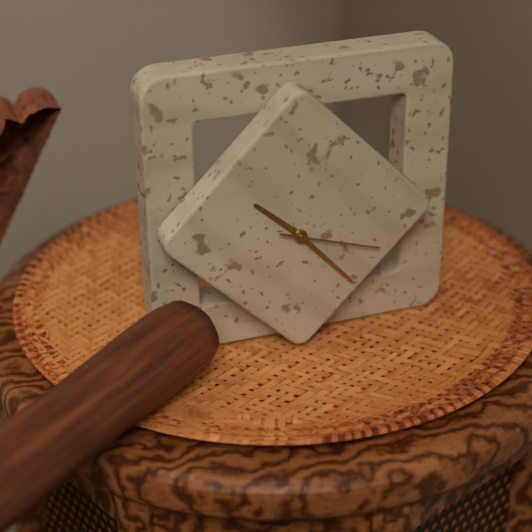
{"hour": 10, "minute": 23, "second": 18}
